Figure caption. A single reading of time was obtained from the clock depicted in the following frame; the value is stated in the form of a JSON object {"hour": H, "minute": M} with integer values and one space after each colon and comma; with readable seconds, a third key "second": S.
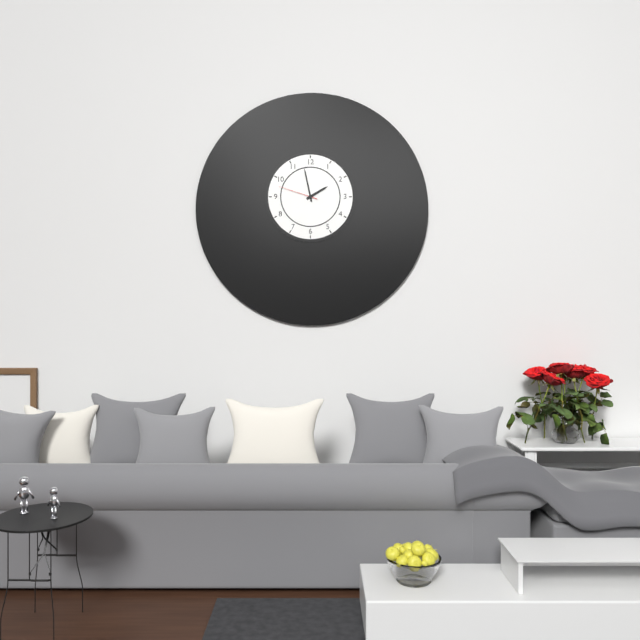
{"hour": 1, "minute": 58}
